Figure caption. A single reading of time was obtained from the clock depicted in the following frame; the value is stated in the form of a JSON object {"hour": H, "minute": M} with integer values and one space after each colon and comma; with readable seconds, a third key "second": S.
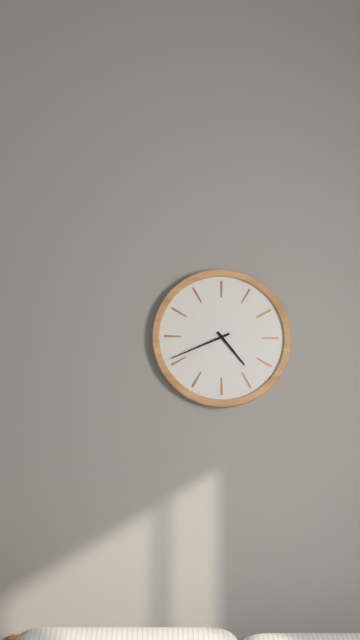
{"hour": 4, "minute": 41}
